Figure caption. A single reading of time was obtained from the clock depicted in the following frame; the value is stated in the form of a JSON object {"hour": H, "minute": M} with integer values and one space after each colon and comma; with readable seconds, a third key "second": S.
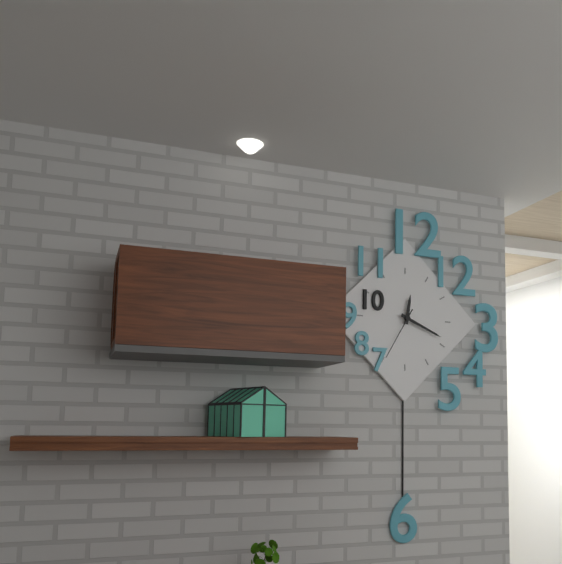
{"hour": 12, "minute": 19, "second": 35}
